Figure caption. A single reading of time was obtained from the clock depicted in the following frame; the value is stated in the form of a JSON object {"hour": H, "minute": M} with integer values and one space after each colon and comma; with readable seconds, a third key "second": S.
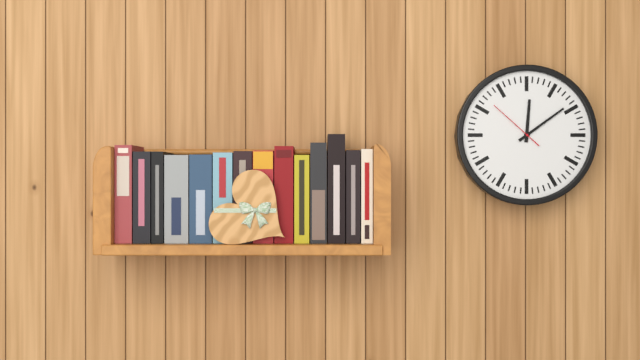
{"hour": 12, "minute": 9, "second": 52}
